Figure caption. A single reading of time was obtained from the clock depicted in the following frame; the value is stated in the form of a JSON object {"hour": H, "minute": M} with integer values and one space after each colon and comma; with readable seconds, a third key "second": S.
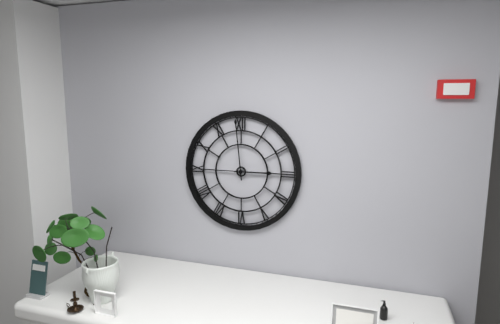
{"hour": 2, "minute": 59}
